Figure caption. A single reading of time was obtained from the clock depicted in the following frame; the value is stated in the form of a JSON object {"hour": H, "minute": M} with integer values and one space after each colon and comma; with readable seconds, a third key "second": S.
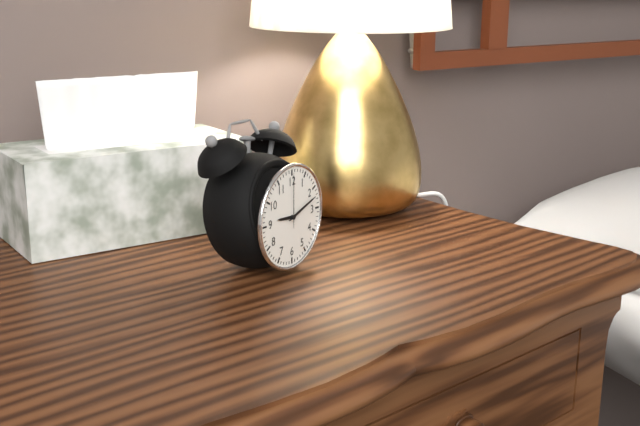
{"hour": 9, "minute": 12, "second": 0}
